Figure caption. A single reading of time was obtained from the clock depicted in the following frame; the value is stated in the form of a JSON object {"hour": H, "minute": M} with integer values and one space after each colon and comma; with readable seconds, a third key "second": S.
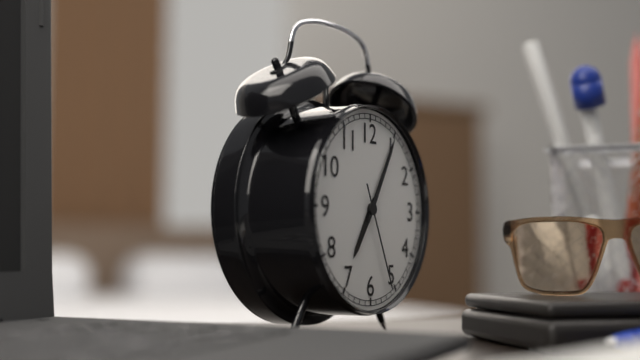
{"hour": 7, "minute": 5, "second": 26}
